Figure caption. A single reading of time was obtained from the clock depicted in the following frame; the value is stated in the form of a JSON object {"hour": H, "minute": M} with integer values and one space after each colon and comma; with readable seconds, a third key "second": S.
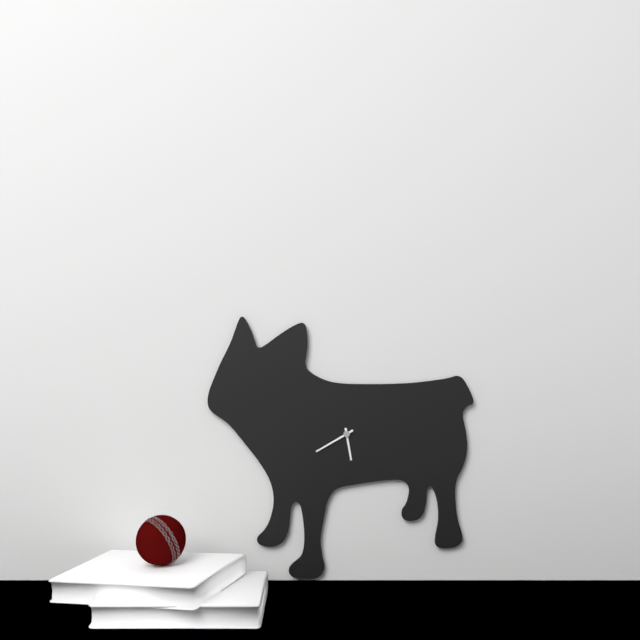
{"hour": 5, "minute": 40}
